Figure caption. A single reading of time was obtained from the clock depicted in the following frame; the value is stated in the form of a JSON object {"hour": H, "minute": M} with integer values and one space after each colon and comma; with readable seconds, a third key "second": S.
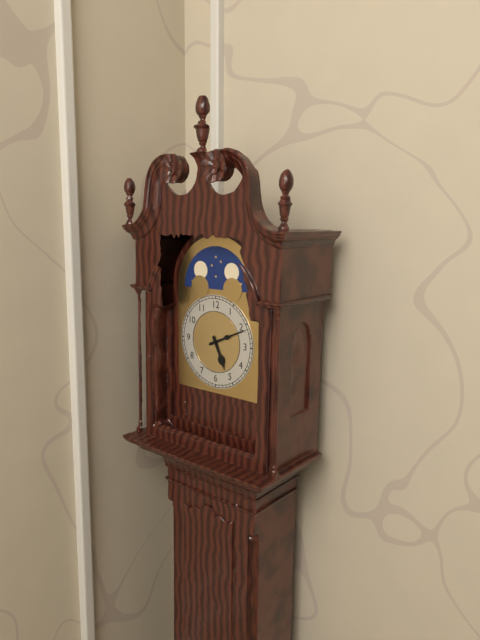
{"hour": 5, "minute": 11}
